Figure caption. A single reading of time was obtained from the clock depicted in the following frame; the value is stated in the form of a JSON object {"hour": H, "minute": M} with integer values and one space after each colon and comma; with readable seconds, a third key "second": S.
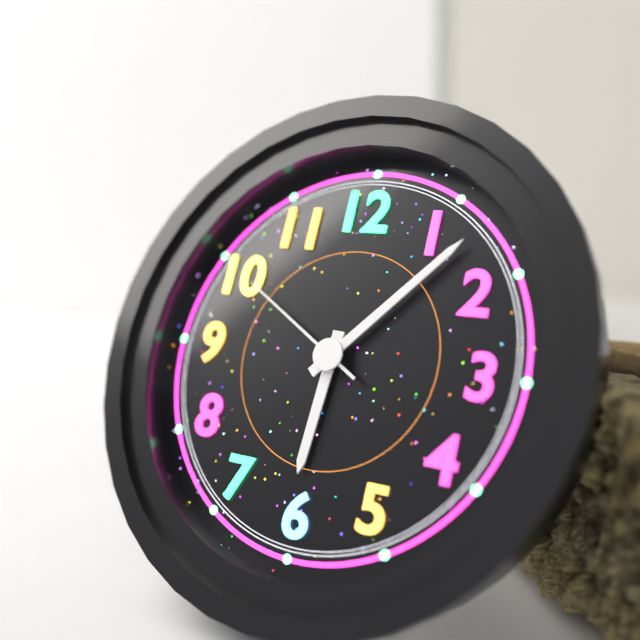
{"hour": 6, "minute": 7, "second": 50}
